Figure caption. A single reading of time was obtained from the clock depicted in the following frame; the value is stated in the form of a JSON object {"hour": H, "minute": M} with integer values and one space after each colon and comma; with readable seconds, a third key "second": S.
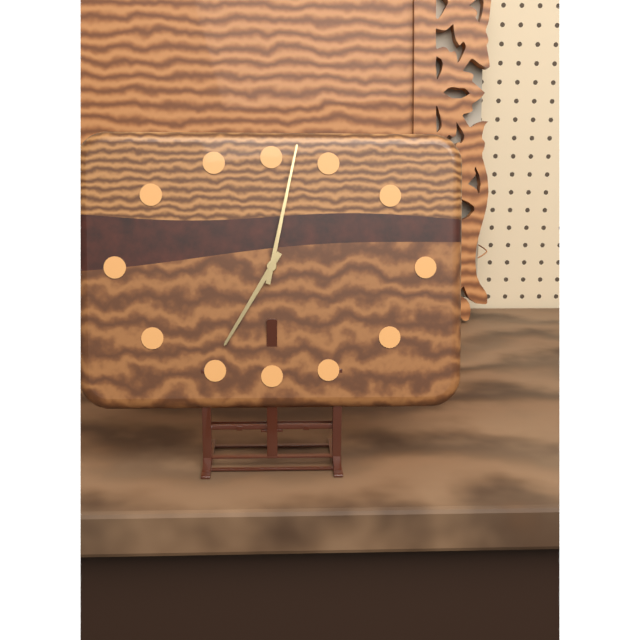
{"hour": 7, "minute": 2}
